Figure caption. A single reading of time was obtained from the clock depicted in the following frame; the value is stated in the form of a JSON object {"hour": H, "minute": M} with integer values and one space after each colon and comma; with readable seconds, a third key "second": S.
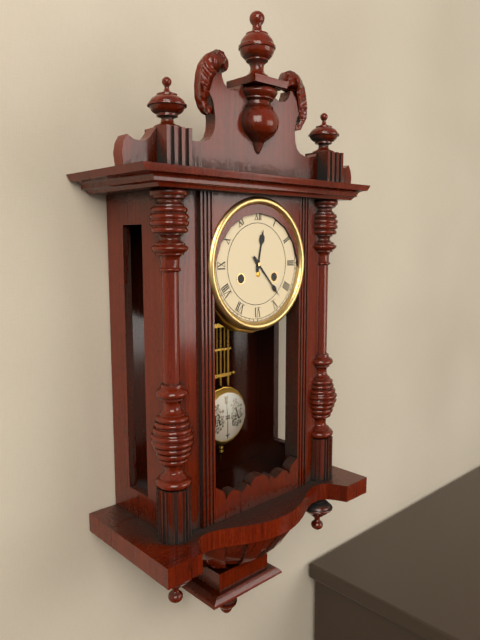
{"hour": 12, "minute": 23}
